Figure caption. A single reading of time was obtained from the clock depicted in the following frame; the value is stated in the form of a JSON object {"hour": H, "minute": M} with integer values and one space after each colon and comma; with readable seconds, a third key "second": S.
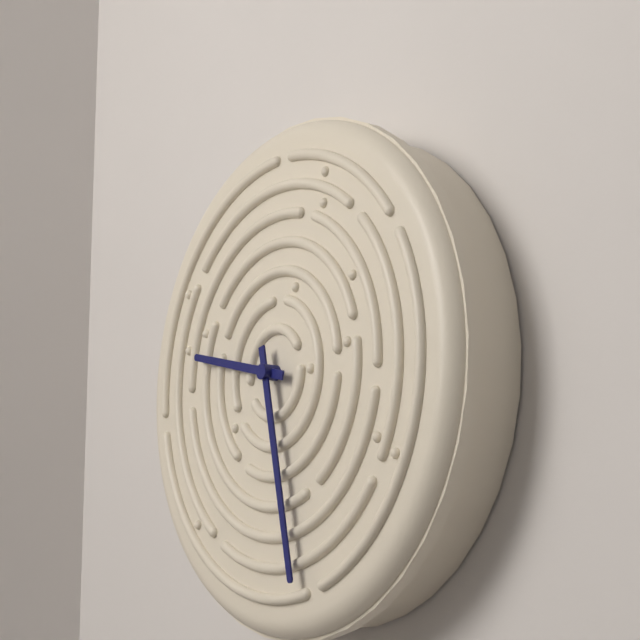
{"hour": 9, "minute": 28}
